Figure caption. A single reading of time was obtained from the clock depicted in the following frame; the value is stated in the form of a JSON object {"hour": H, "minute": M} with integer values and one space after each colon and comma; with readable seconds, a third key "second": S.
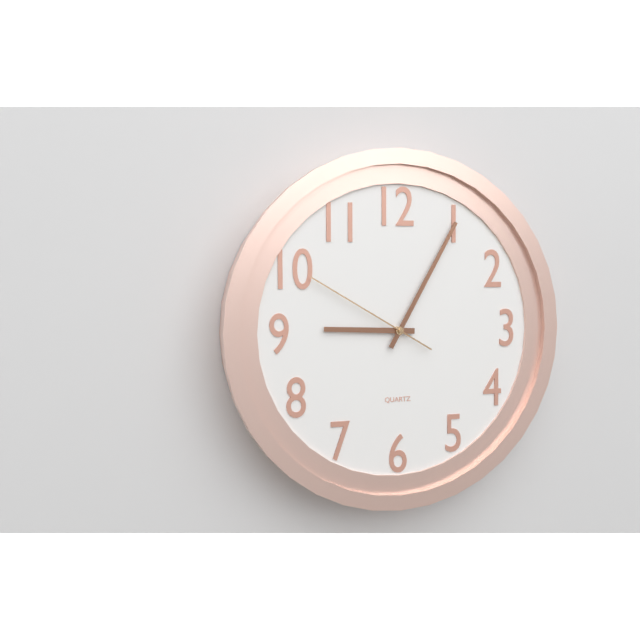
{"hour": 9, "minute": 5, "second": 50}
